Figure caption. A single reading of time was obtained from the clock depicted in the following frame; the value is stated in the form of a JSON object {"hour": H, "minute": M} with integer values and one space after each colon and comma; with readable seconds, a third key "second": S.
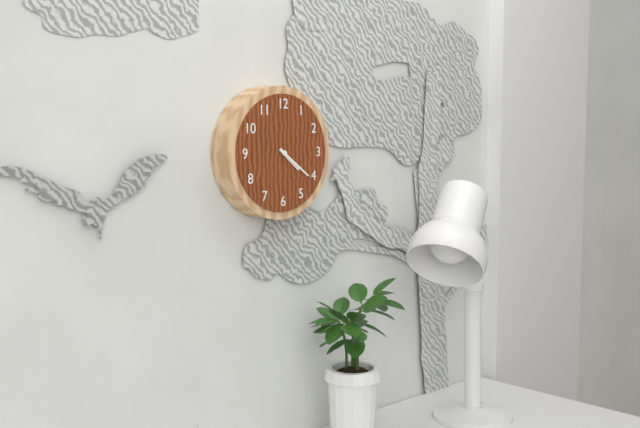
{"hour": 4, "minute": 21}
